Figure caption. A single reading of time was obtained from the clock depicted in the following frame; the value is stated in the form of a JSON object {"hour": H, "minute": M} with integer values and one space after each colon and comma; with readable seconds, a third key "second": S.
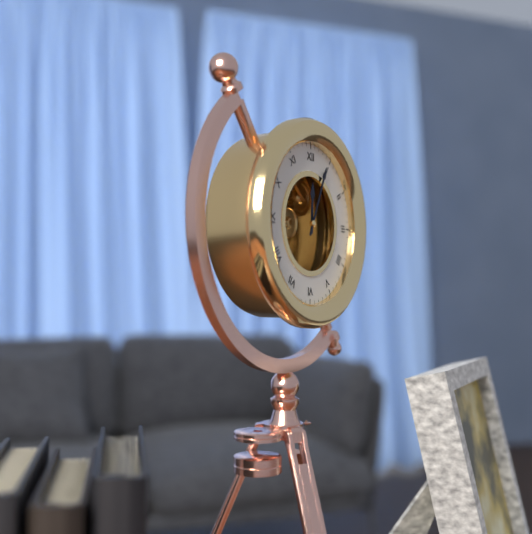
{"hour": 12, "minute": 4}
